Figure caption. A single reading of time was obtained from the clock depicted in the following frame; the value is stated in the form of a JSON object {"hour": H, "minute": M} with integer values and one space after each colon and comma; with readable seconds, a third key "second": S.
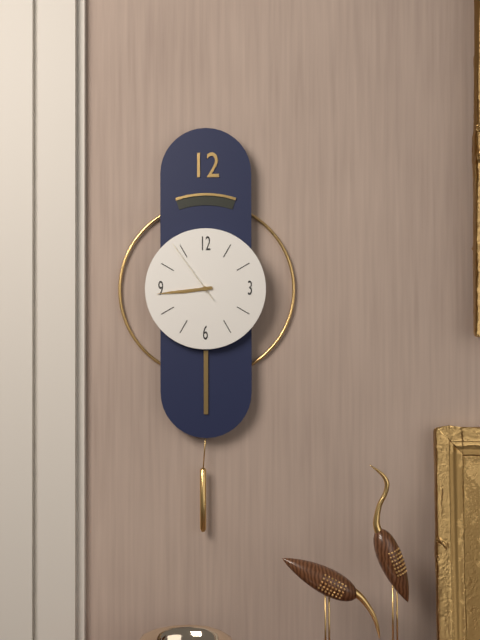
{"hour": 8, "minute": 44, "second": 54}
